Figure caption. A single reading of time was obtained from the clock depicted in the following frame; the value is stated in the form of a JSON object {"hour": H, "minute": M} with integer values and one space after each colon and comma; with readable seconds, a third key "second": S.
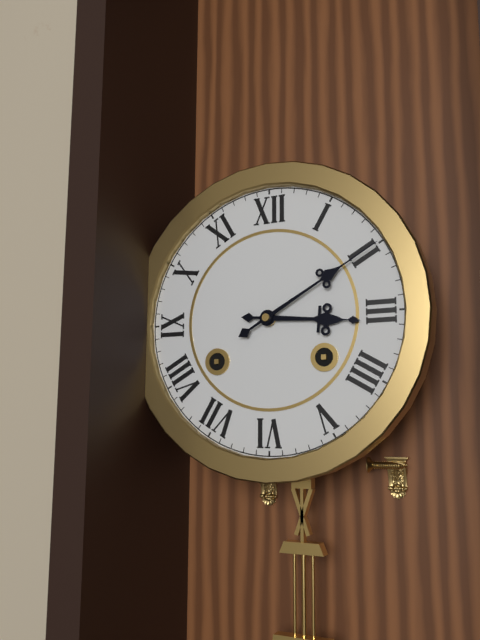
{"hour": 3, "minute": 10}
